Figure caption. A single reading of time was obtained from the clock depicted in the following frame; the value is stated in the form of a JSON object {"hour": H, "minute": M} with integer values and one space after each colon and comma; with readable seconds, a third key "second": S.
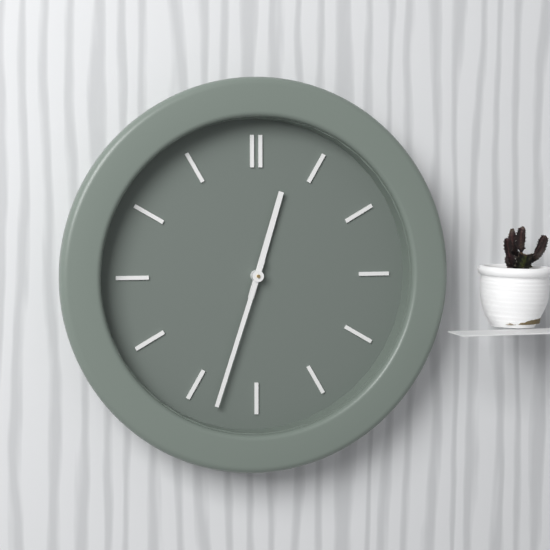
{"hour": 12, "minute": 33}
